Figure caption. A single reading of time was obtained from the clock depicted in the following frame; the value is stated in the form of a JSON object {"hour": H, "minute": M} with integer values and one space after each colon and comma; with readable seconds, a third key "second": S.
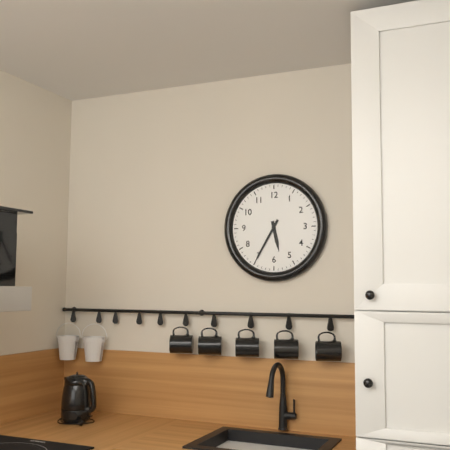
{"hour": 5, "minute": 35}
